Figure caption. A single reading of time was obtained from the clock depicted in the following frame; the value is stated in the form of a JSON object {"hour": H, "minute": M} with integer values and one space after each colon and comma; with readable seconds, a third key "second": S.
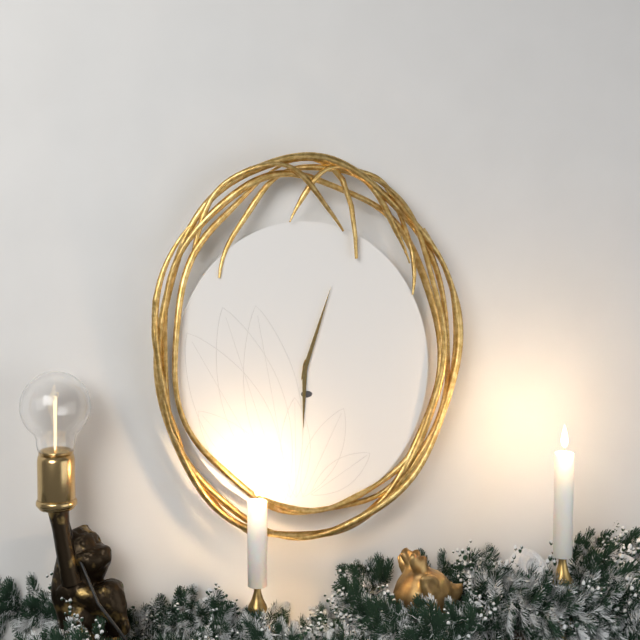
{"hour": 6, "minute": 3}
